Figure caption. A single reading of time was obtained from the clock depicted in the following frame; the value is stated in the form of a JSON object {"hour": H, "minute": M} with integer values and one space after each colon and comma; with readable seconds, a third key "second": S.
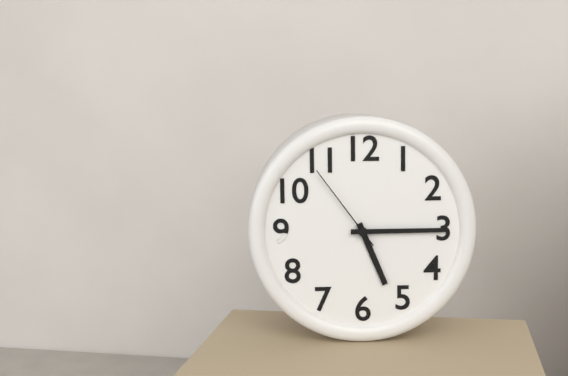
{"hour": 5, "minute": 15, "second": 54}
